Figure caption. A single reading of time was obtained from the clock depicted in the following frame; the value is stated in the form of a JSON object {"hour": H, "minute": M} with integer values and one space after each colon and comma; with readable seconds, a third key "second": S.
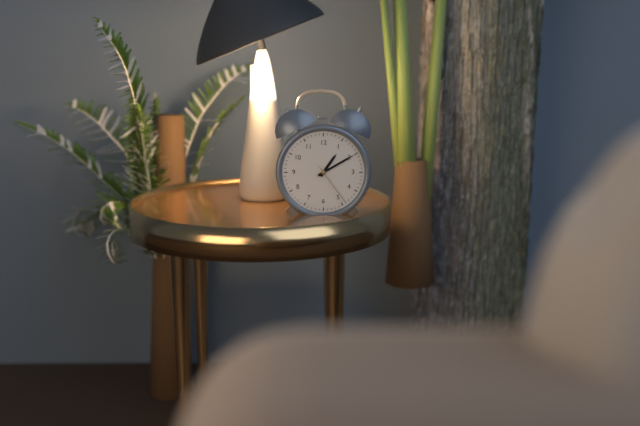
{"hour": 1, "minute": 10}
